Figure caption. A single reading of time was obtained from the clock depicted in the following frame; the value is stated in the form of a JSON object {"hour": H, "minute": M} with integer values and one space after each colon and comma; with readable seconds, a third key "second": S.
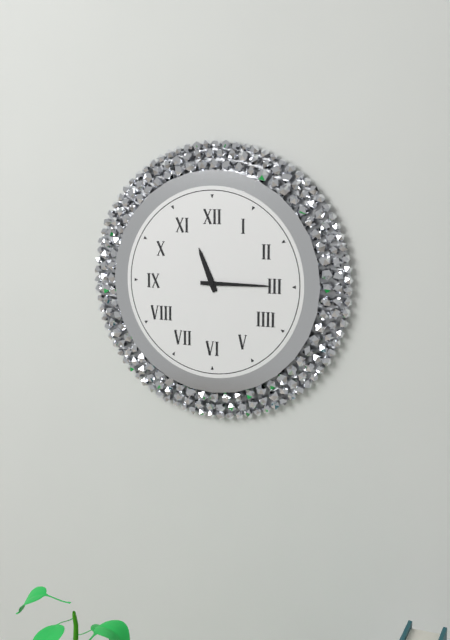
{"hour": 11, "minute": 15}
